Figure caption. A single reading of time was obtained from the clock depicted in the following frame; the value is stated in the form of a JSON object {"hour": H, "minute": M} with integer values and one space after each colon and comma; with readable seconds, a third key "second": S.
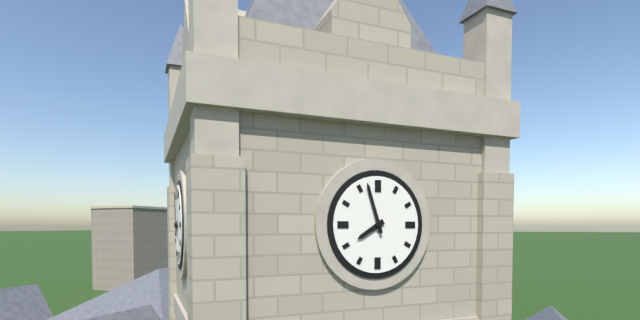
{"hour": 7, "minute": 57}
